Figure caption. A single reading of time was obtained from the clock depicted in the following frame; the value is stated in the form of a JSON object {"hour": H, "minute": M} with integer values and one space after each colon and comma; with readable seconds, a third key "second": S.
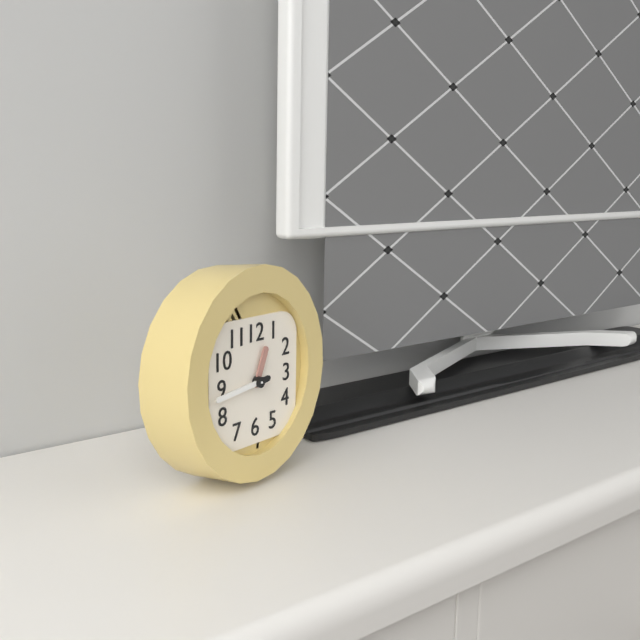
{"hour": 12, "minute": 44}
